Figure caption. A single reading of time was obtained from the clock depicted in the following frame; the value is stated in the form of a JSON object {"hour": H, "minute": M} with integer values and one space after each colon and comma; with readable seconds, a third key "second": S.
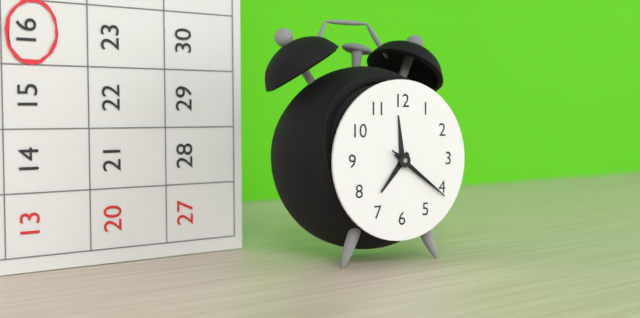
{"hour": 7, "minute": 21, "second": 21}
